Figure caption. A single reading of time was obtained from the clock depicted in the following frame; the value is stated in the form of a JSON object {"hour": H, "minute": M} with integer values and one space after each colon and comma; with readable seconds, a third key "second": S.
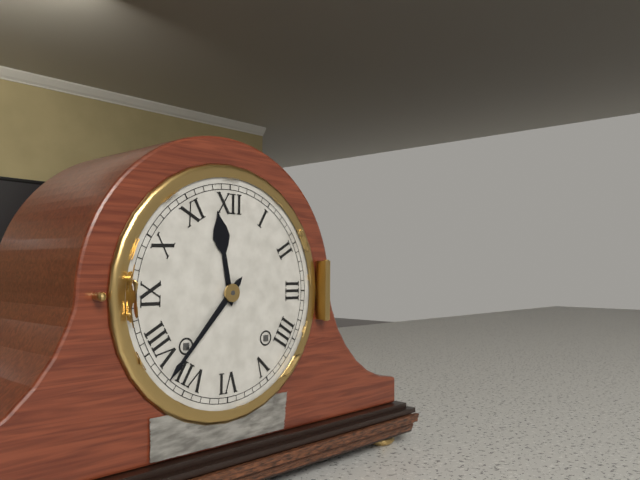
{"hour": 11, "minute": 37}
